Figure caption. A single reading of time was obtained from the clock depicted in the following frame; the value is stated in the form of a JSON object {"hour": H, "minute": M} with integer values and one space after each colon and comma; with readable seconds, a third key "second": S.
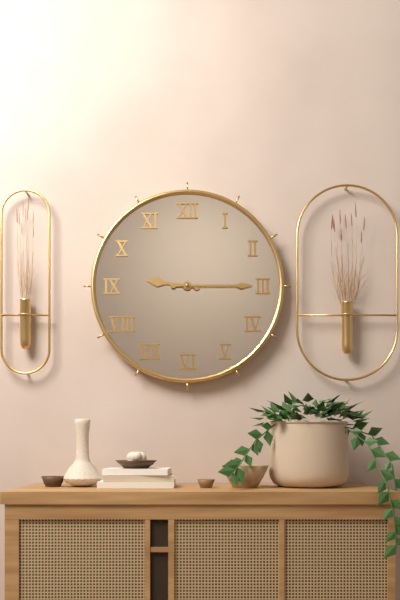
{"hour": 9, "minute": 15}
